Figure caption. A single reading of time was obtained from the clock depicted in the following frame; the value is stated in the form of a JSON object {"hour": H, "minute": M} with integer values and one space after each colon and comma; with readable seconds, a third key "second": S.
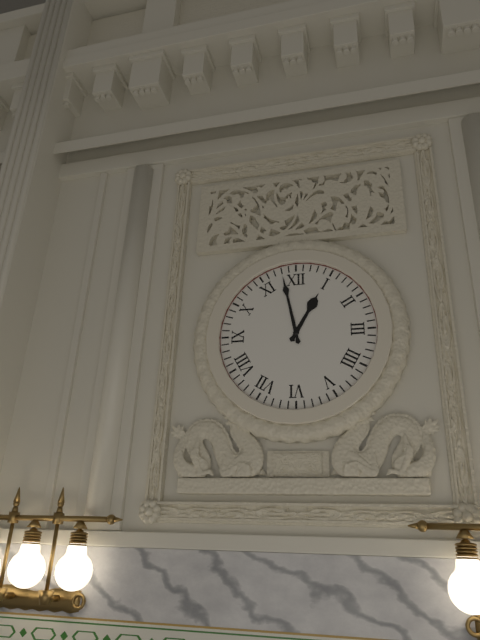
{"hour": 12, "minute": 58}
